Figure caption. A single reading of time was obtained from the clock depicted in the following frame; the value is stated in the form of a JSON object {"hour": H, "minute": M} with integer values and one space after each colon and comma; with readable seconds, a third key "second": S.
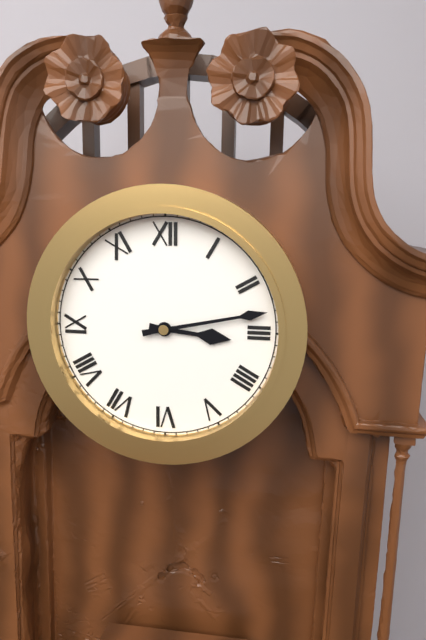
{"hour": 3, "minute": 13}
